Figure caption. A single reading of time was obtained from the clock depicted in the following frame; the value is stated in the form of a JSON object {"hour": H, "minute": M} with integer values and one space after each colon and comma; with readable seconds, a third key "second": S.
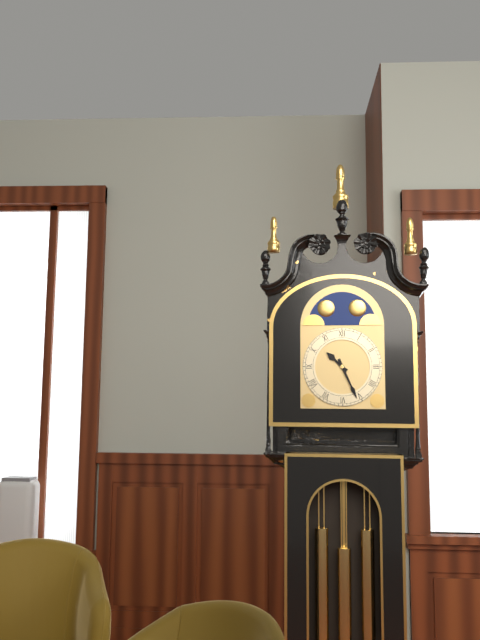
{"hour": 10, "minute": 26}
